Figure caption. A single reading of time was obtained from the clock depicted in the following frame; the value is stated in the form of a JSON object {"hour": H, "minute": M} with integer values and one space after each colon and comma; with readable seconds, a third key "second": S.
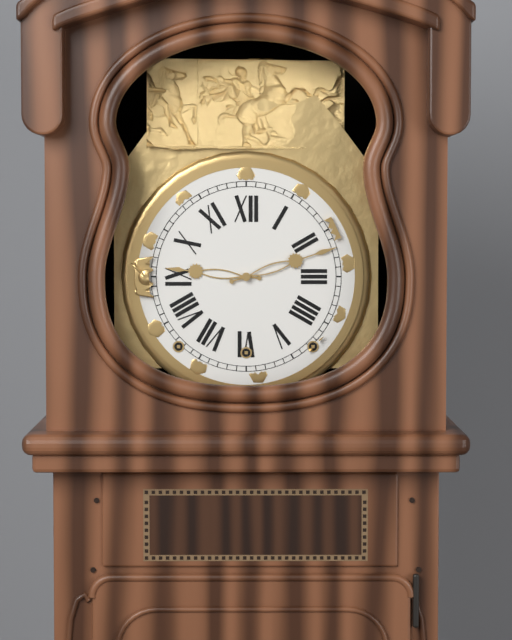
{"hour": 9, "minute": 12}
